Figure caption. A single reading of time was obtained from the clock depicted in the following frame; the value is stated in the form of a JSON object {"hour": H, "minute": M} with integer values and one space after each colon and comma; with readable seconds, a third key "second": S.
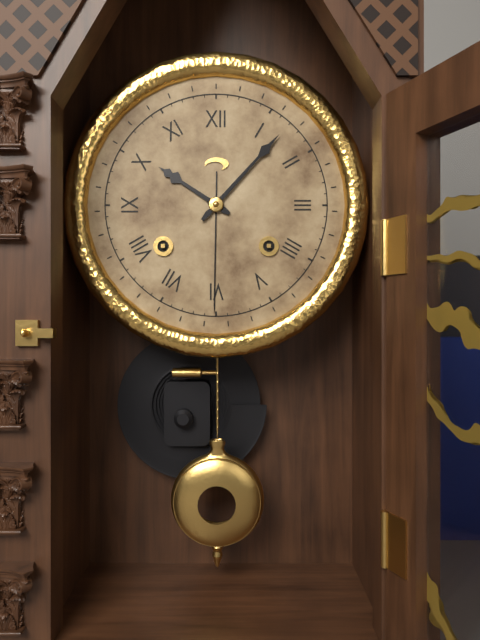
{"hour": 10, "minute": 7}
